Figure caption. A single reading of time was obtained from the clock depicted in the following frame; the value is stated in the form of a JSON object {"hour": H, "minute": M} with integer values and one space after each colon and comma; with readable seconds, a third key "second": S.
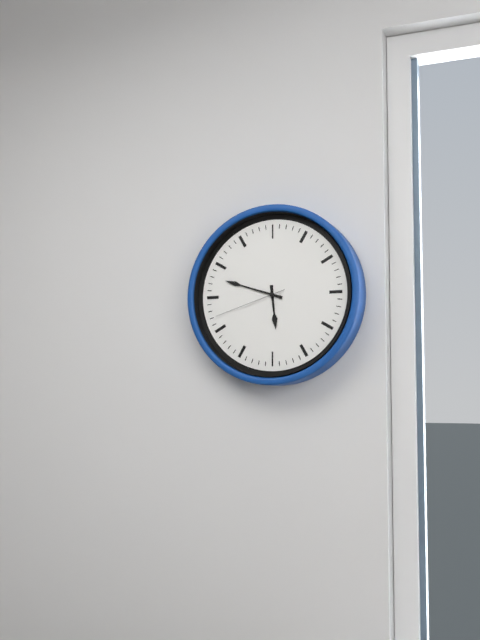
{"hour": 5, "minute": 48, "second": 42}
